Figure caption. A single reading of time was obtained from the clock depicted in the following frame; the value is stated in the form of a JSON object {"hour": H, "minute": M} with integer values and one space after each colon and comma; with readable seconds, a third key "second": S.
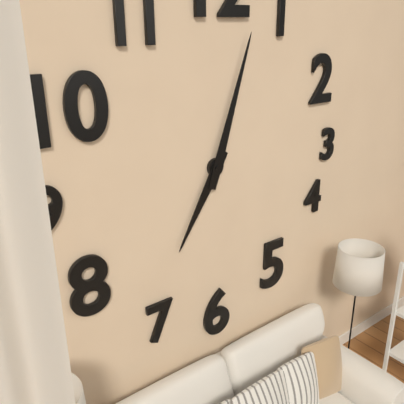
{"hour": 7, "minute": 3}
